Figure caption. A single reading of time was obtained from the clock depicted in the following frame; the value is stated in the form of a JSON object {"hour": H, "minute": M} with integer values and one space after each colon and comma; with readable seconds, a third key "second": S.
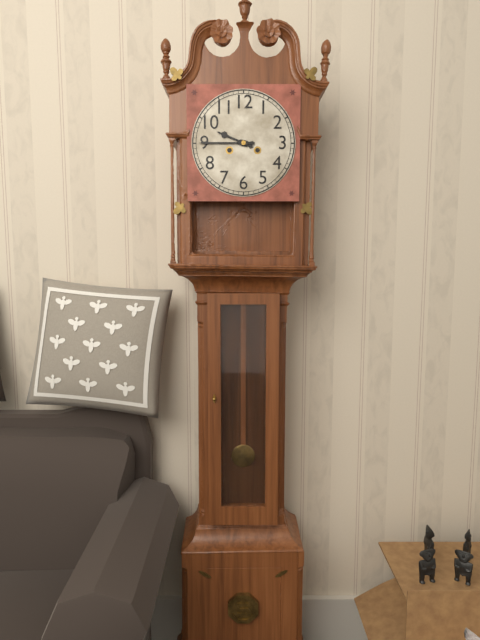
{"hour": 9, "minute": 45}
